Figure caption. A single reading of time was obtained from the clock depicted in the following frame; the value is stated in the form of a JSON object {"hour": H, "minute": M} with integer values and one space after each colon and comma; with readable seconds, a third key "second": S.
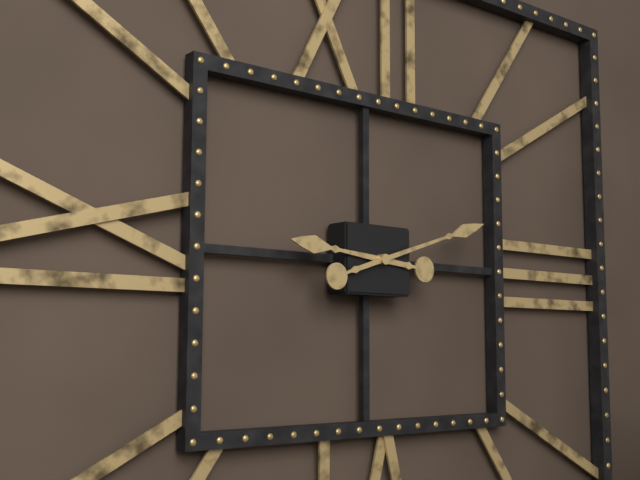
{"hour": 9, "minute": 12}
